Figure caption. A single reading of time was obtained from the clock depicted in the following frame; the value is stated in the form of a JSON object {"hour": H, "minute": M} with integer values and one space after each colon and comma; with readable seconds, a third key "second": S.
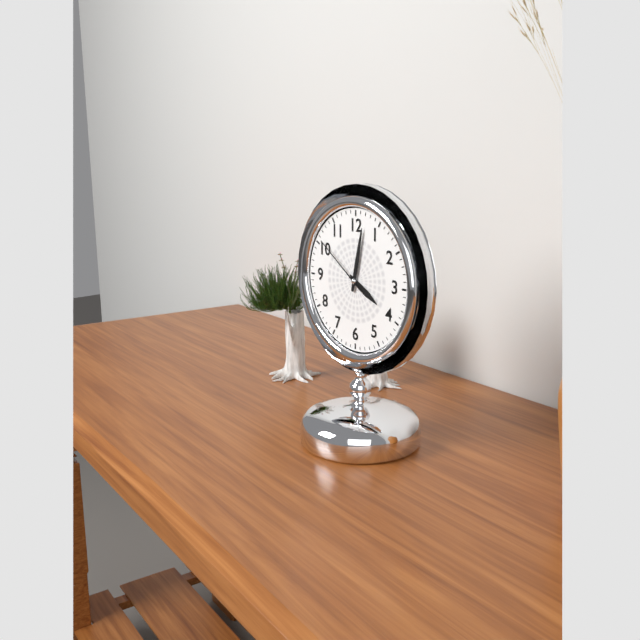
{"hour": 4, "minute": 2, "second": 51}
